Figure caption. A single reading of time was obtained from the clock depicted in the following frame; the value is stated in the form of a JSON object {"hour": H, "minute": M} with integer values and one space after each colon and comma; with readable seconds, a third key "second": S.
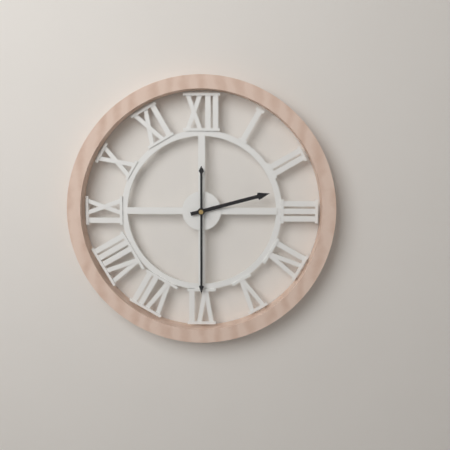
{"hour": 2, "minute": 30}
